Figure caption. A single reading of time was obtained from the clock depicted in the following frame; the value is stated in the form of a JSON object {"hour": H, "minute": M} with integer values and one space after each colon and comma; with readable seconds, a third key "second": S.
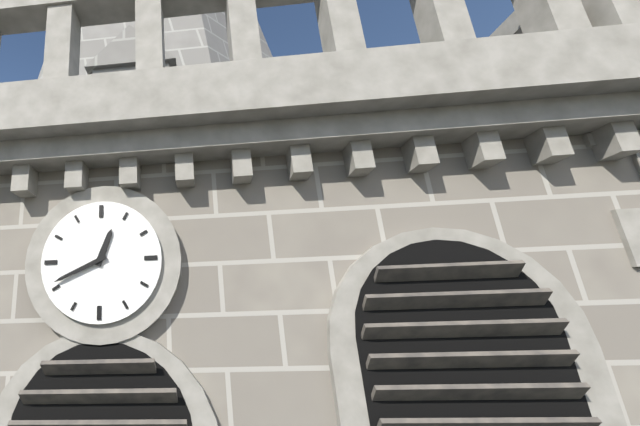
{"hour": 12, "minute": 41}
